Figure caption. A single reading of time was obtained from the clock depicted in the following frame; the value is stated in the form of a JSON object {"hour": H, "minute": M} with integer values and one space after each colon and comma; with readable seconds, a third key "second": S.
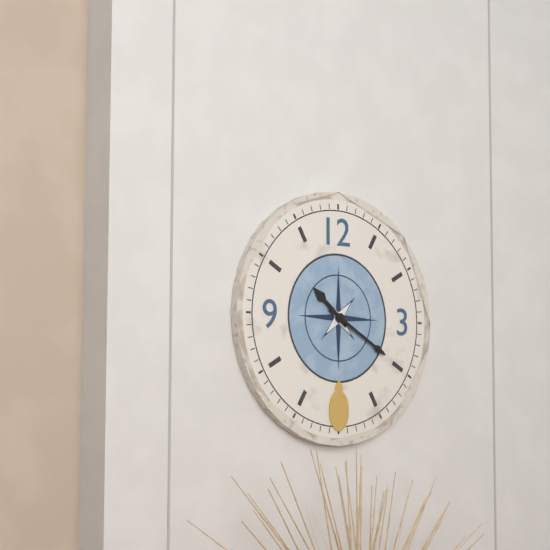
{"hour": 10, "minute": 20}
